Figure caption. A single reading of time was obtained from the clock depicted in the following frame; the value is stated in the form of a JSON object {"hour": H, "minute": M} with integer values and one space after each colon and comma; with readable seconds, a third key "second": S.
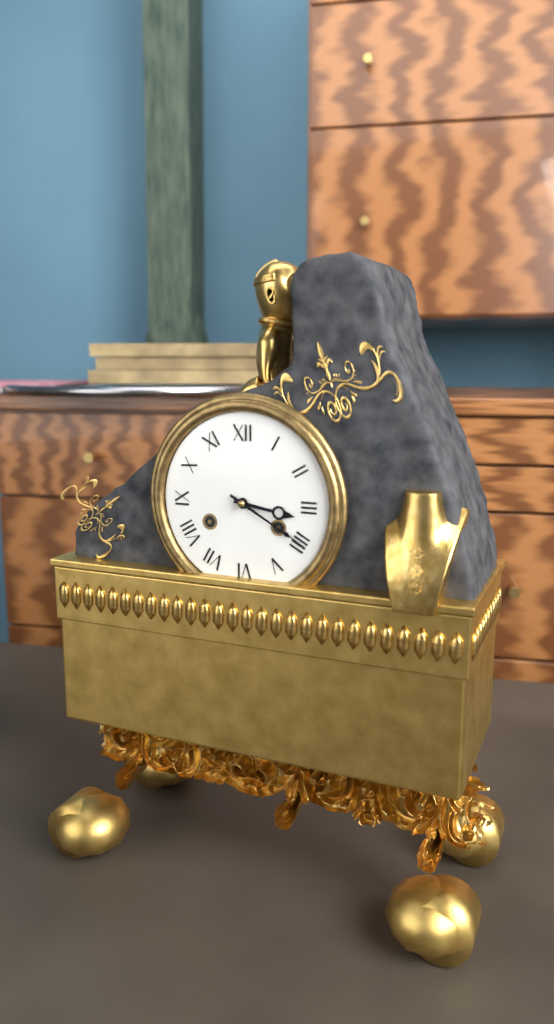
{"hour": 3, "minute": 20}
